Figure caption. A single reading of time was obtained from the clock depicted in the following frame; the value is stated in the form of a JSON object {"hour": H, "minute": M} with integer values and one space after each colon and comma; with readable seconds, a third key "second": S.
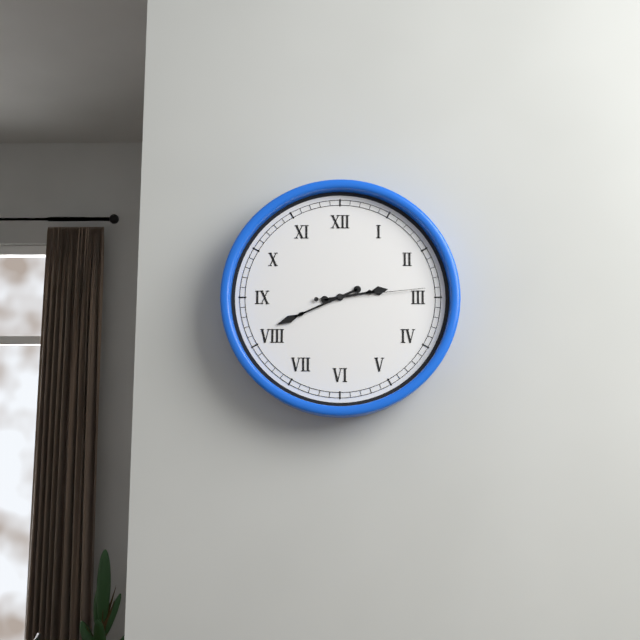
{"hour": 2, "minute": 41, "second": 14}
